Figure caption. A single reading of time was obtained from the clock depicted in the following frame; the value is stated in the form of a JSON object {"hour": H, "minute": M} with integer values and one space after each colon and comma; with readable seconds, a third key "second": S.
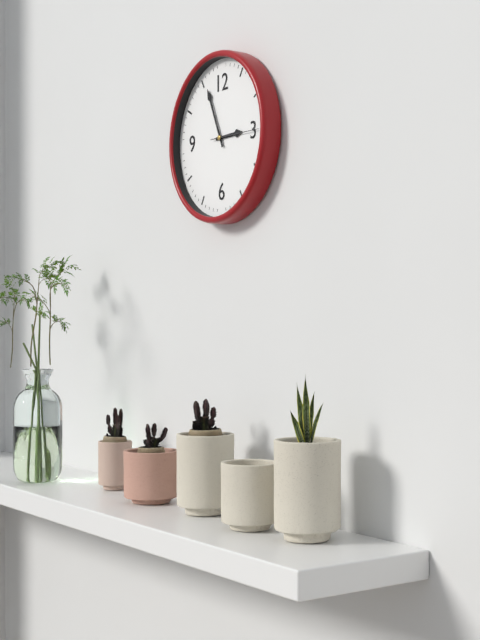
{"hour": 2, "minute": 56}
